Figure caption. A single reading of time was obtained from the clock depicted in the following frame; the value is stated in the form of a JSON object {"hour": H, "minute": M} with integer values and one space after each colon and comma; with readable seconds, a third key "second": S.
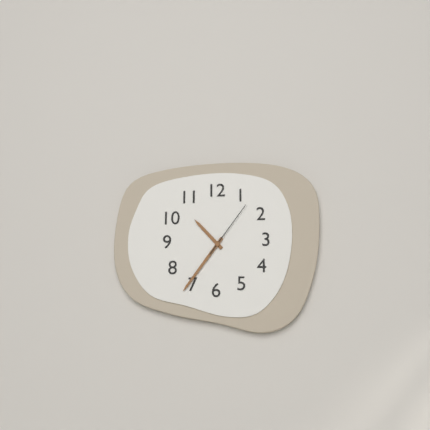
{"hour": 10, "minute": 36, "second": 6}
